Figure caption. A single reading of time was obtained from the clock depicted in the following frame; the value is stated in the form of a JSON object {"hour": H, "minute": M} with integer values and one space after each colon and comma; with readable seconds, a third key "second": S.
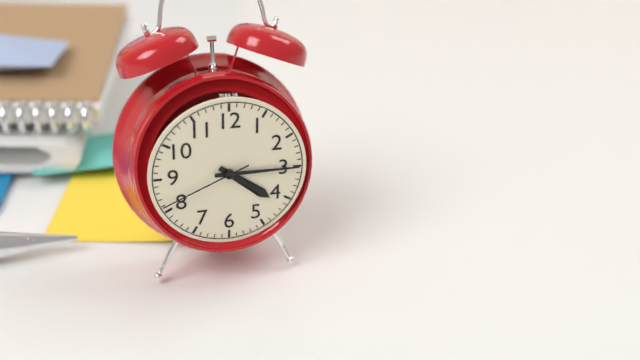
{"hour": 4, "minute": 15, "second": 41}
